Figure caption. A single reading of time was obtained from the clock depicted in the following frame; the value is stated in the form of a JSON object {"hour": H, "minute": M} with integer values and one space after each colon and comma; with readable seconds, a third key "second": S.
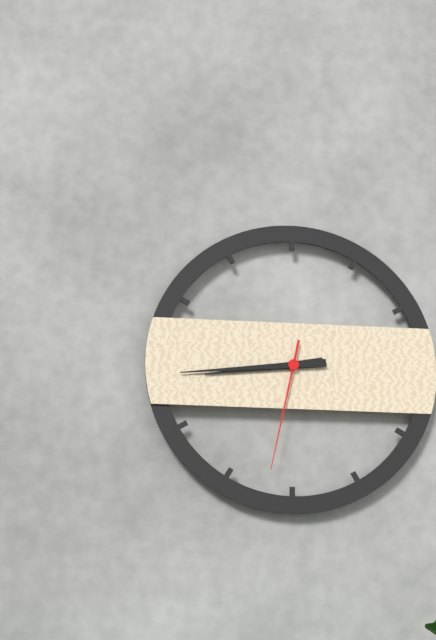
{"hour": 8, "minute": 44, "second": 32}
